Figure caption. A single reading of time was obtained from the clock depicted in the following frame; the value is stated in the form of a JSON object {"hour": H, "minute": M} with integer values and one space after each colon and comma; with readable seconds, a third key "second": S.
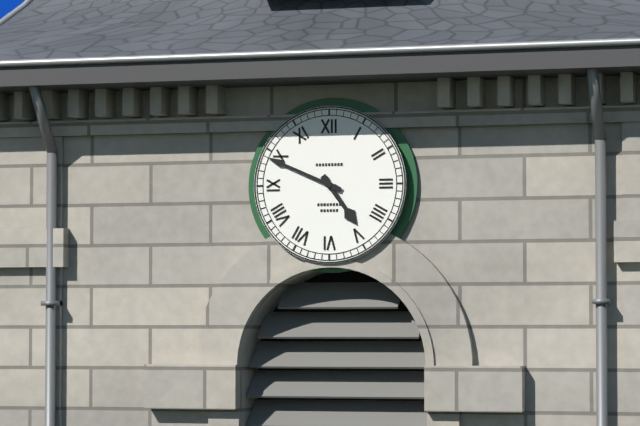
{"hour": 4, "minute": 49}
